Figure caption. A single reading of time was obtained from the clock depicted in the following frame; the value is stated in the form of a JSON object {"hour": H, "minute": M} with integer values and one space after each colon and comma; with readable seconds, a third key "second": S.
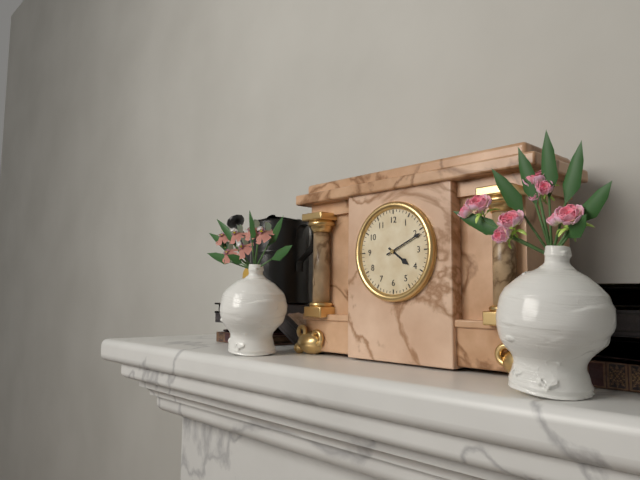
{"hour": 4, "minute": 11}
